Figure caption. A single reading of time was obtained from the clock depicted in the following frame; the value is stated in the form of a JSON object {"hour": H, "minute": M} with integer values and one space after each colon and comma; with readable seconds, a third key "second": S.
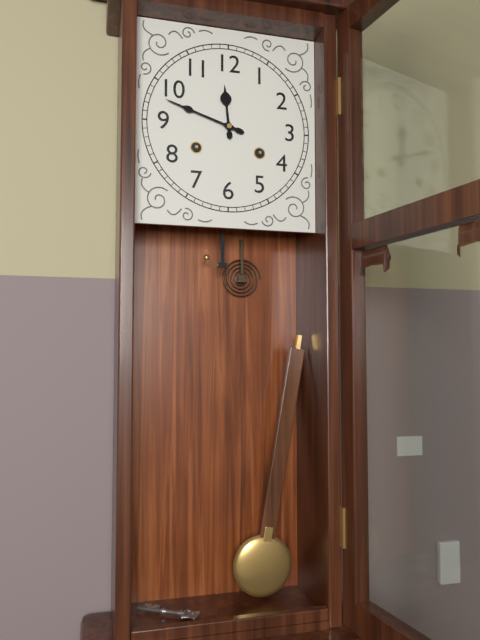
{"hour": 11, "minute": 48}
